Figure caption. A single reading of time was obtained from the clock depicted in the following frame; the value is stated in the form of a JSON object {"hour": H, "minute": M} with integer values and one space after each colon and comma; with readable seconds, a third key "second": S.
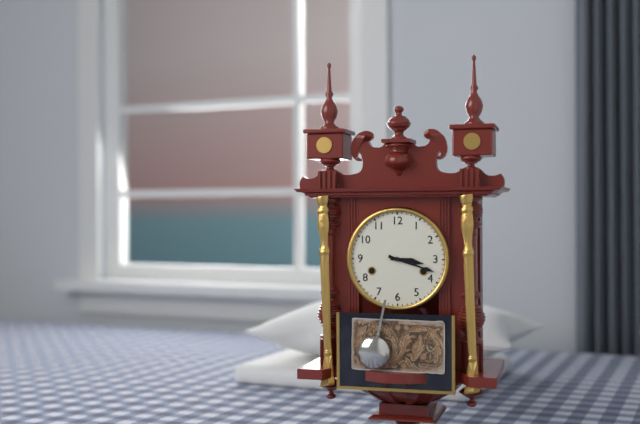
{"hour": 3, "minute": 18}
